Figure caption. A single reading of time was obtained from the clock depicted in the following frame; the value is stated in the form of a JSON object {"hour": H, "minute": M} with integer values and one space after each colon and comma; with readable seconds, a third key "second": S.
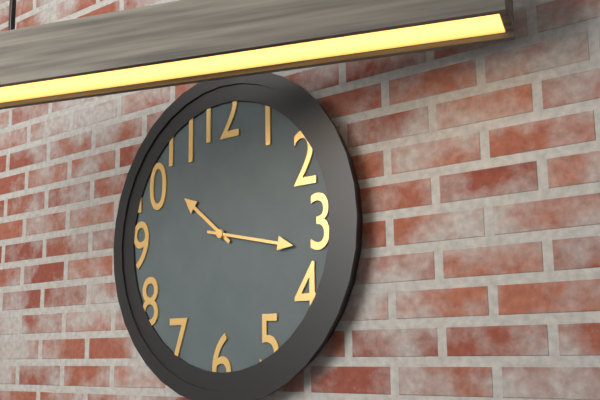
{"hour": 10, "minute": 17}
